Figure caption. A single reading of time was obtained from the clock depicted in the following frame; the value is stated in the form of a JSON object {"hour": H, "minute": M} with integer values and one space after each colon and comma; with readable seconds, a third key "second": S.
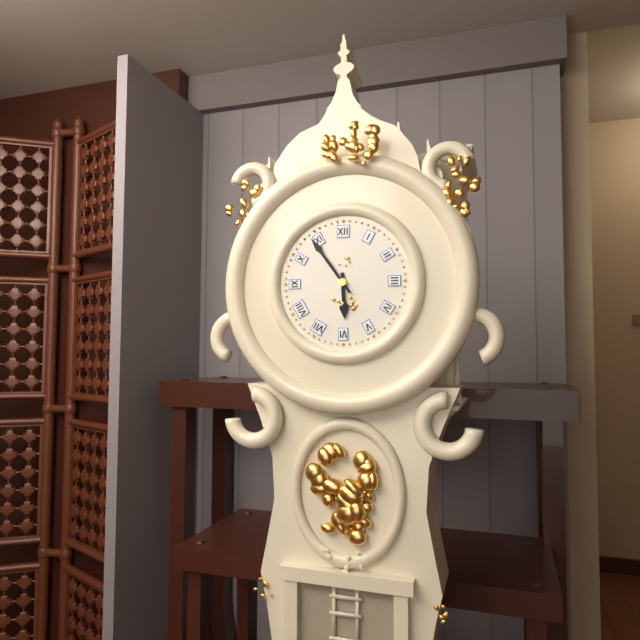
{"hour": 5, "minute": 54}
